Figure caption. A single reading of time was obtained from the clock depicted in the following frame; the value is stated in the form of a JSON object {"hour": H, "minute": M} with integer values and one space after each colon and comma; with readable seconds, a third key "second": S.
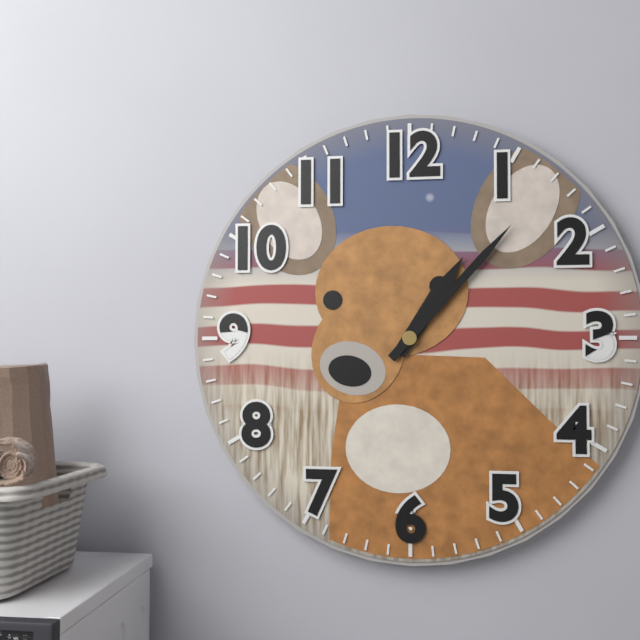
{"hour": 1, "minute": 7}
